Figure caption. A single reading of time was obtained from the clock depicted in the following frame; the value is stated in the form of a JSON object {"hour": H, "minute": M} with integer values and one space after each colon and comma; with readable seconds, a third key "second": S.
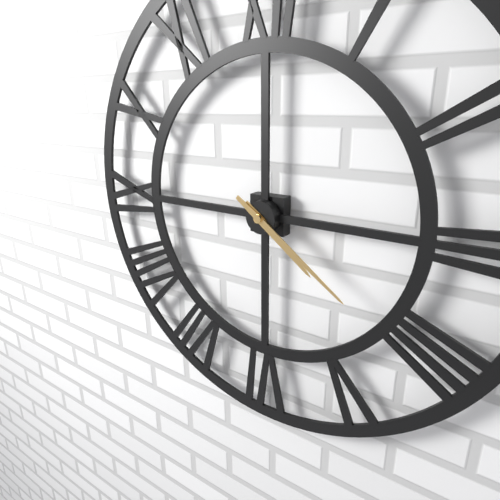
{"hour": 4, "minute": 21}
